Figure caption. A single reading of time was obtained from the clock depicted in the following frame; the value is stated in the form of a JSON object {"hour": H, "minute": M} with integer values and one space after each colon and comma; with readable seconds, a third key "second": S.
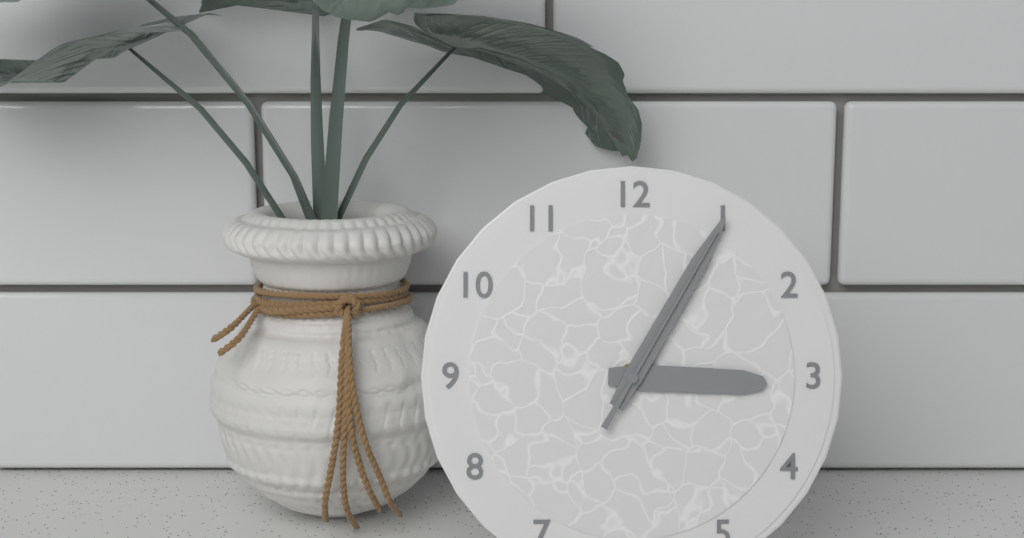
{"hour": 3, "minute": 5, "second": 5}
